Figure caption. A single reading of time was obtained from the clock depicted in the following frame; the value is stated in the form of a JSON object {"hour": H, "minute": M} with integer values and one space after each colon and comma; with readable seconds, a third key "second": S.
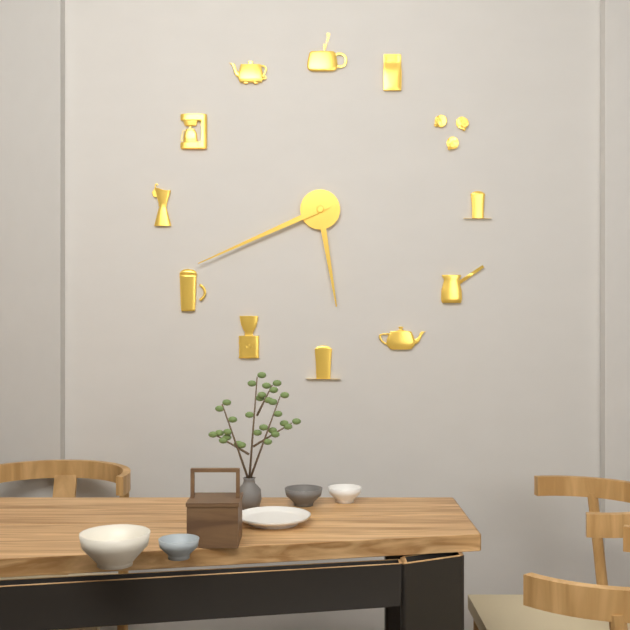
{"hour": 5, "minute": 41}
